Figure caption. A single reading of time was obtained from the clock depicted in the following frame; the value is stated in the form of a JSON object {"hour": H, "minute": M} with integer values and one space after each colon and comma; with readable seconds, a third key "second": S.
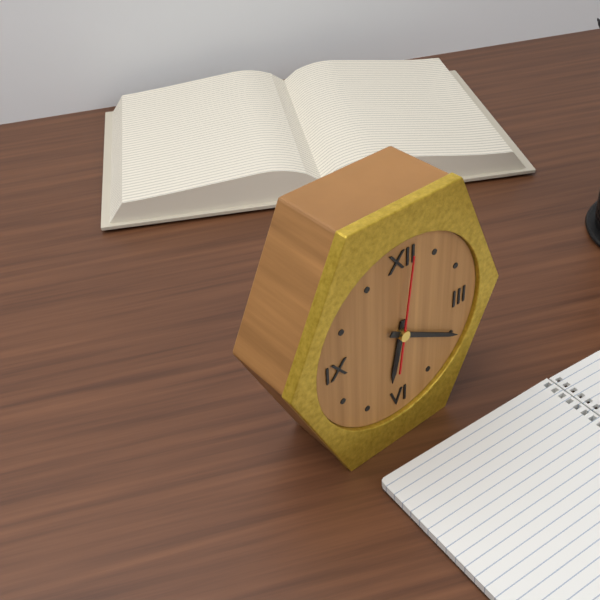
{"hour": 6, "minute": 20, "second": 1}
